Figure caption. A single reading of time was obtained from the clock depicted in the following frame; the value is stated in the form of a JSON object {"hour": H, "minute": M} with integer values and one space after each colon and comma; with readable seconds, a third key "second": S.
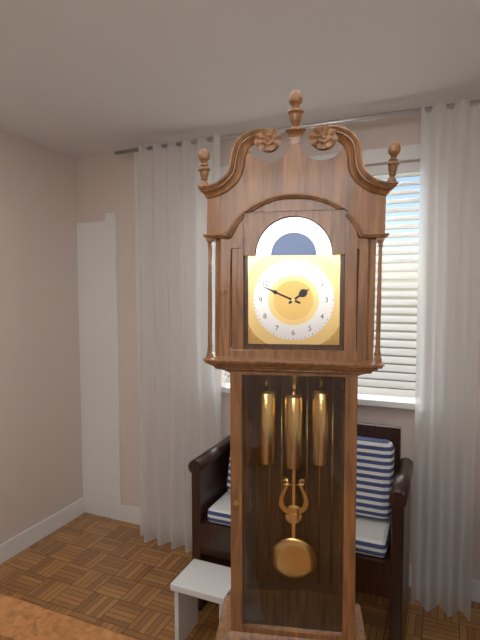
{"hour": 1, "minute": 49}
